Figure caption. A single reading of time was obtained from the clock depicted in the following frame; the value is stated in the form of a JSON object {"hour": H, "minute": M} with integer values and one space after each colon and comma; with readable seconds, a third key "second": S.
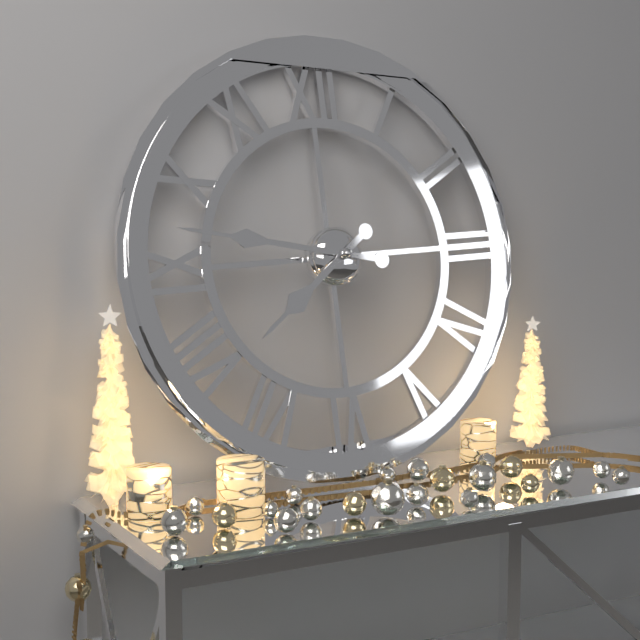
{"hour": 7, "minute": 47}
